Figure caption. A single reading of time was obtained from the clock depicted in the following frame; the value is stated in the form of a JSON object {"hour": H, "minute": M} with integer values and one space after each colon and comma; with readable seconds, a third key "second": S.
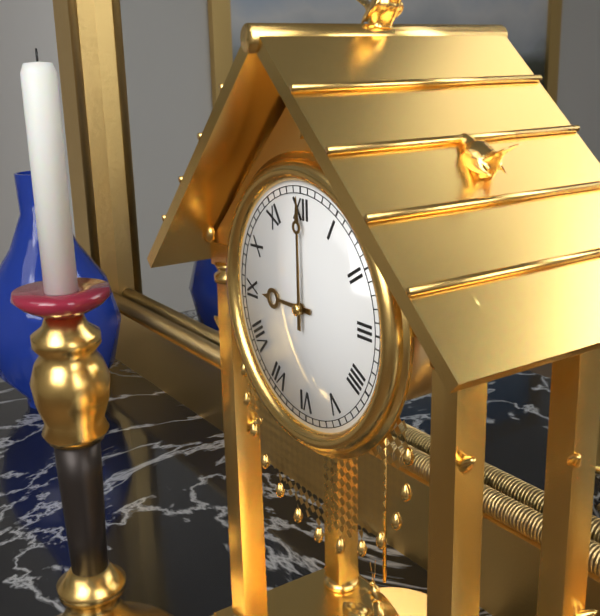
{"hour": 9, "minute": 0}
